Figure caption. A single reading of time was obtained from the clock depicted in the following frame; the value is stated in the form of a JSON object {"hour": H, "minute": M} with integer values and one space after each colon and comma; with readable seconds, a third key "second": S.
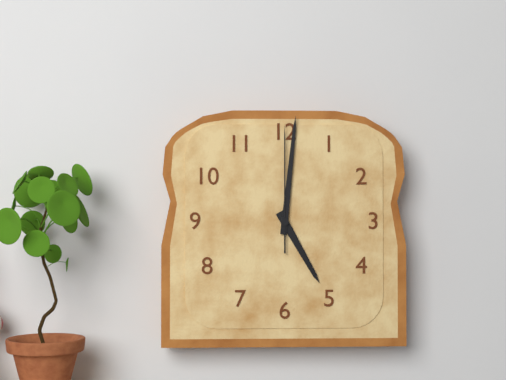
{"hour": 5, "minute": 1, "second": 0}
